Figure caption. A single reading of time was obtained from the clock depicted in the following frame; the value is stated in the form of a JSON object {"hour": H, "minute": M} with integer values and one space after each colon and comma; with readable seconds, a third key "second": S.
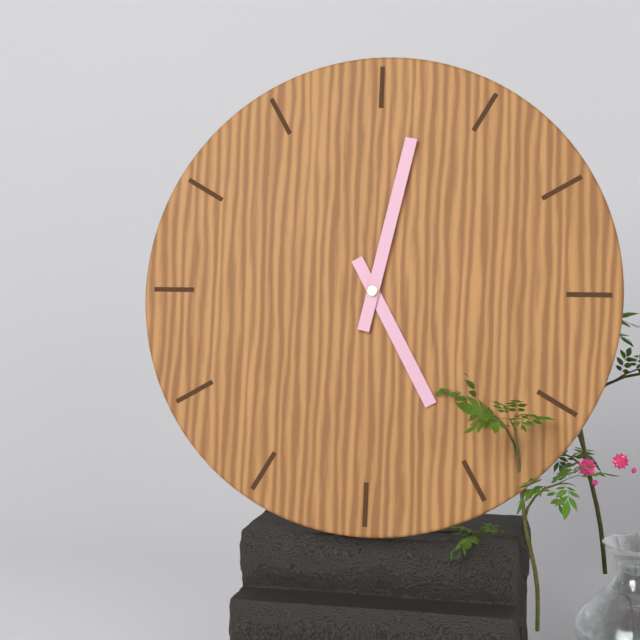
{"hour": 5, "minute": 2}
